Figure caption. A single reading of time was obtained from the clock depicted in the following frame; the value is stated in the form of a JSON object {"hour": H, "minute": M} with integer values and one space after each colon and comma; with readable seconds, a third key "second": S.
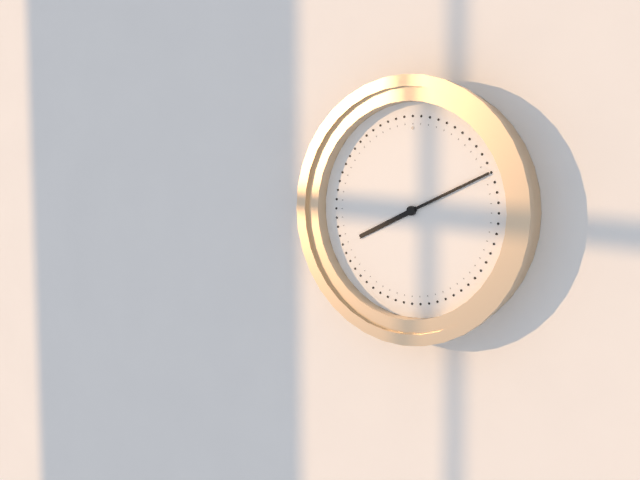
{"hour": 8, "minute": 11}
